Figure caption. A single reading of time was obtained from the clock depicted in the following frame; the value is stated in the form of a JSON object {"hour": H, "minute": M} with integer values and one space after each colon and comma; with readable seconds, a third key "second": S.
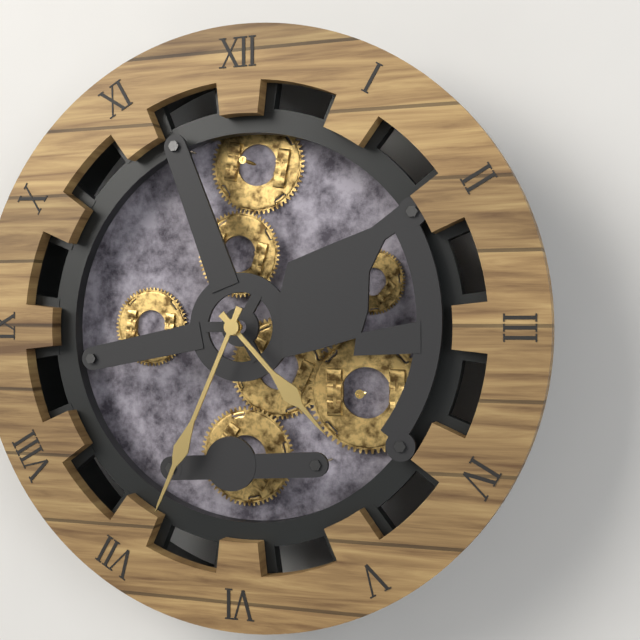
{"hour": 4, "minute": 34}
